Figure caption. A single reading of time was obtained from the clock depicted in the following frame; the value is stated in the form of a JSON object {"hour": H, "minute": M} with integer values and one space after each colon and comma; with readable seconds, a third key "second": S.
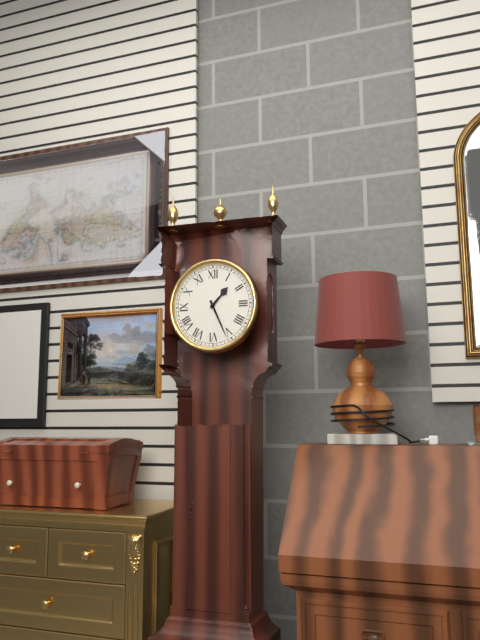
{"hour": 1, "minute": 26}
